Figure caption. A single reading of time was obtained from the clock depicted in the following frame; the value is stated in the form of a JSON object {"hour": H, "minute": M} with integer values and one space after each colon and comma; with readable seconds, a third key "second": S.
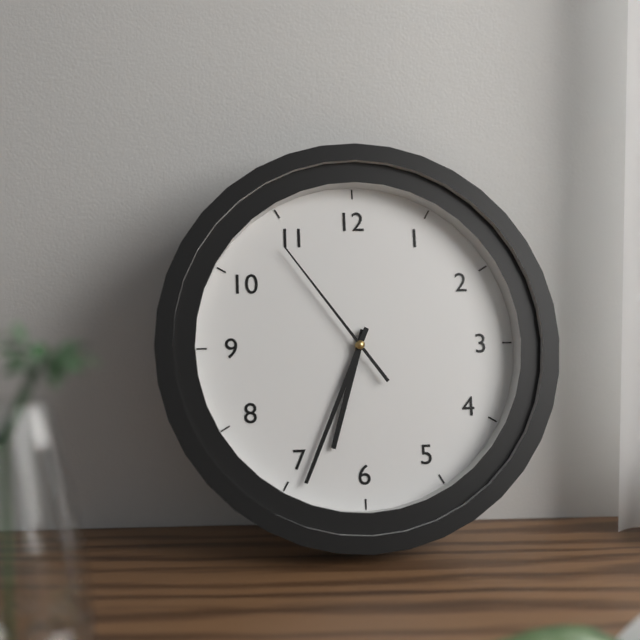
{"hour": 6, "minute": 34, "second": 54}
